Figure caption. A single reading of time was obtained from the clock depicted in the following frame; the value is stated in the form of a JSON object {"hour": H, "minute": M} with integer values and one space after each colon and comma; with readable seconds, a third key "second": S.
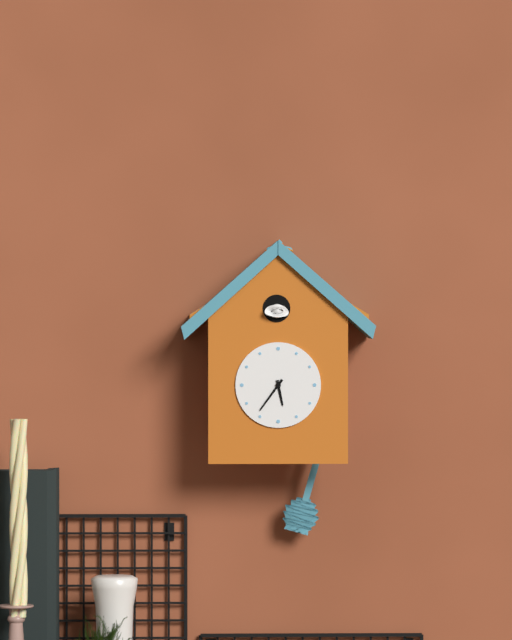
{"hour": 5, "minute": 36}
